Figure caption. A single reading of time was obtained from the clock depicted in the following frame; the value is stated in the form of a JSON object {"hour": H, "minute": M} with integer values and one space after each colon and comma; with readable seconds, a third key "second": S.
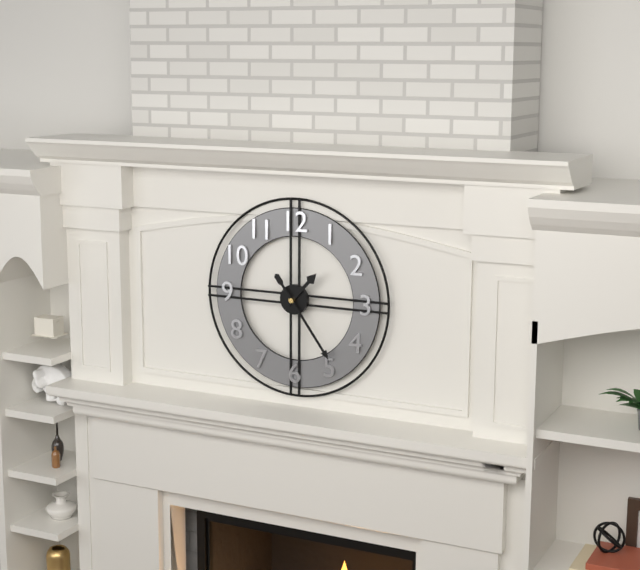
{"hour": 1, "minute": 24}
